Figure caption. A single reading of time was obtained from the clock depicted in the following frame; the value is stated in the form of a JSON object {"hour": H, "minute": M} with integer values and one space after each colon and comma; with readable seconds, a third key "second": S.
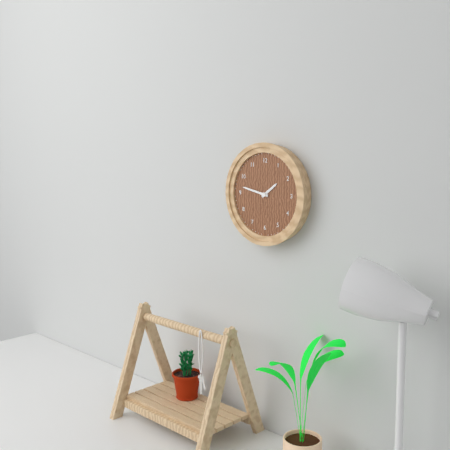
{"hour": 1, "minute": 47}
